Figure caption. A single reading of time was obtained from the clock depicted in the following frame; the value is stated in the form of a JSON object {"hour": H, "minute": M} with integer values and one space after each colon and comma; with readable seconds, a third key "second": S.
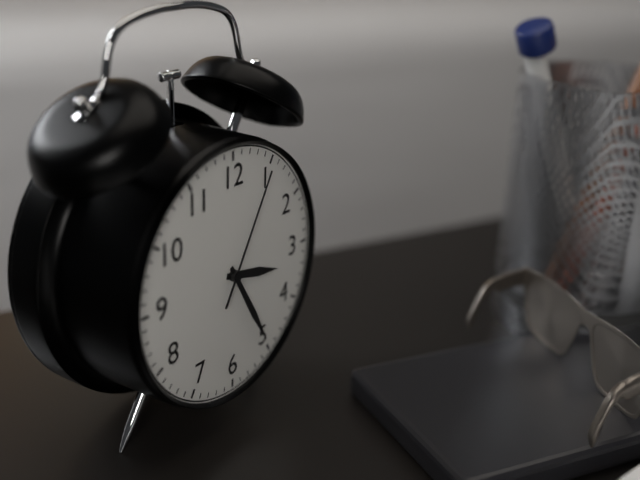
{"hour": 3, "minute": 25, "second": 5}
